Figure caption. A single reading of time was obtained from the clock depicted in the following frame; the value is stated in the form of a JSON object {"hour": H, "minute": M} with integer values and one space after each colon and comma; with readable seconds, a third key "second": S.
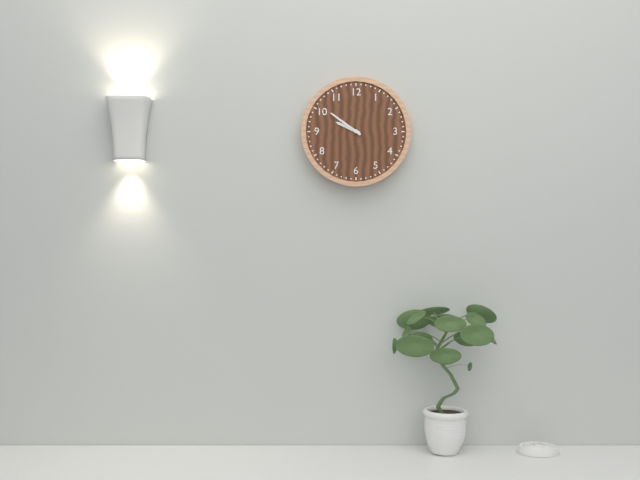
{"hour": 9, "minute": 51}
